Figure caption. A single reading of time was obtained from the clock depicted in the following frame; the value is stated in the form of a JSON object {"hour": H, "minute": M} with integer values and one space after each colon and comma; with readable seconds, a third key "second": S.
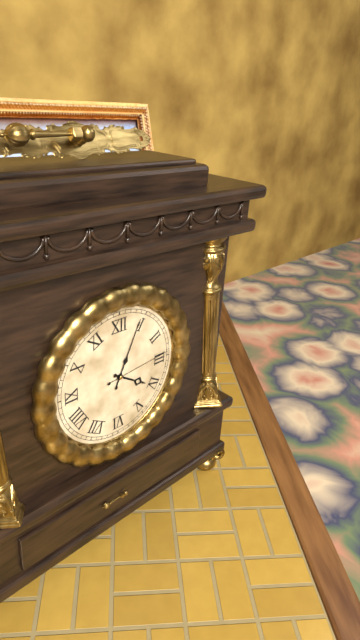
{"hour": 4, "minute": 4, "second": 14}
